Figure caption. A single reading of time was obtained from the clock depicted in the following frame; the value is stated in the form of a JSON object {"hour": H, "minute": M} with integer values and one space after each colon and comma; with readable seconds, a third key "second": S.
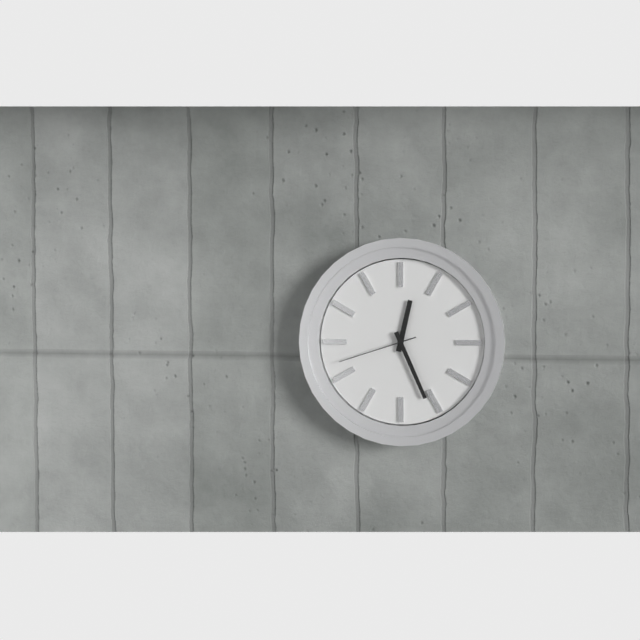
{"hour": 12, "minute": 26, "second": 42}
